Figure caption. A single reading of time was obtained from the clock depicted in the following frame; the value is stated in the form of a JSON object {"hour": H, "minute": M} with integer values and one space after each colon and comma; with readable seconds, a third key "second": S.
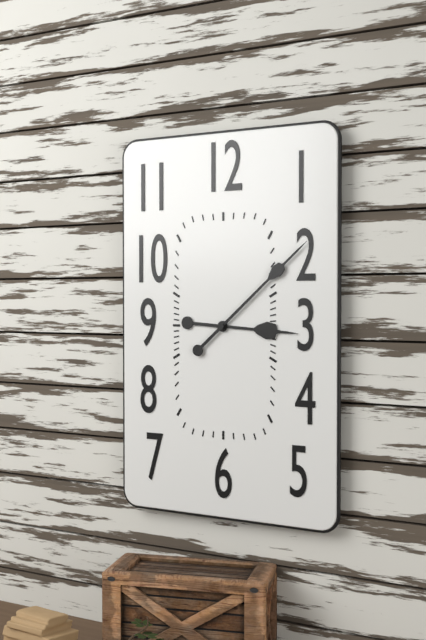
{"hour": 3, "minute": 8}
